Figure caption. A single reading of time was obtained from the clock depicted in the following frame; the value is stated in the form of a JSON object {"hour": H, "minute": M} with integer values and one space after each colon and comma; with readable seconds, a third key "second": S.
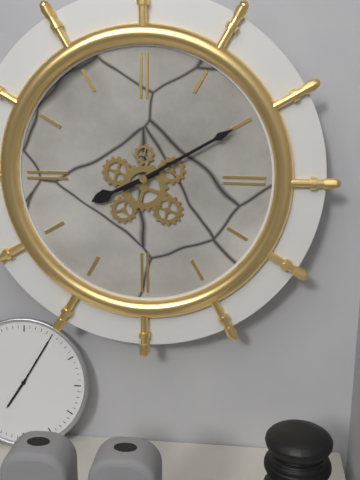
{"hour": 8, "minute": 10}
